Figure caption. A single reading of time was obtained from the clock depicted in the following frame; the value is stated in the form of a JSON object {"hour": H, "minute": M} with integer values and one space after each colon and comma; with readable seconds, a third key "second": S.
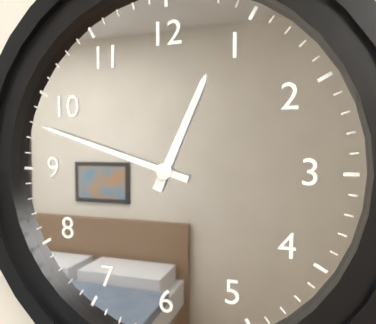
{"hour": 12, "minute": 48}
